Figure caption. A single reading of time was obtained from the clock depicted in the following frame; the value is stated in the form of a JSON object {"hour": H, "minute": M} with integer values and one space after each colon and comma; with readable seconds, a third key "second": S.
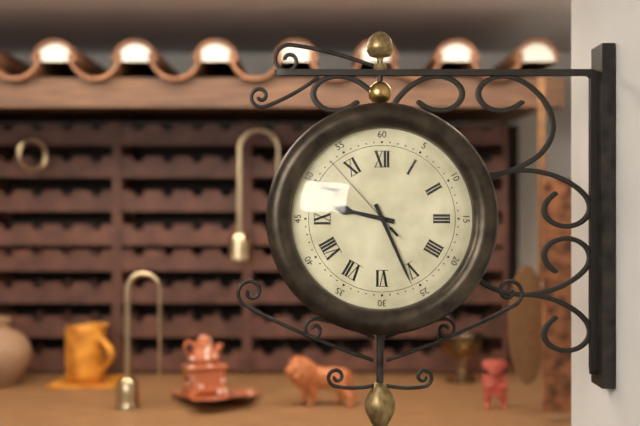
{"hour": 9, "minute": 26, "second": 53}
